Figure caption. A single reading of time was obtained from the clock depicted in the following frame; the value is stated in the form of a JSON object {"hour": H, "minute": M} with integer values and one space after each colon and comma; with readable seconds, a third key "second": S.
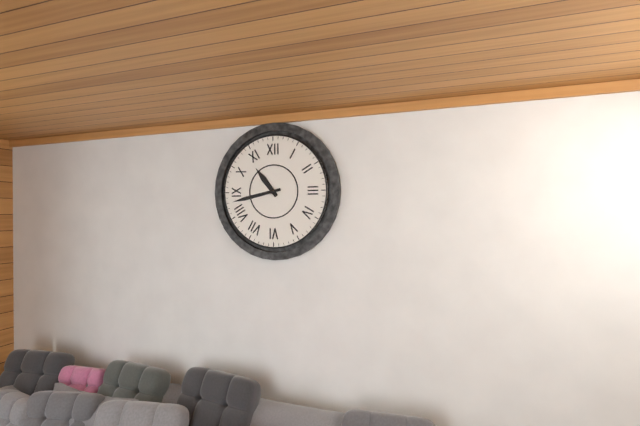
{"hour": 10, "minute": 43}
